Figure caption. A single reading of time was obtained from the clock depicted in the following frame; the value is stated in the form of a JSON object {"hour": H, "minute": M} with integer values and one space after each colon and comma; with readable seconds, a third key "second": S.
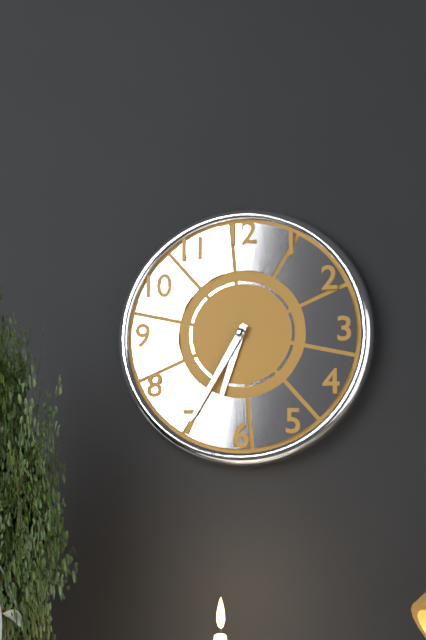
{"hour": 6, "minute": 35}
